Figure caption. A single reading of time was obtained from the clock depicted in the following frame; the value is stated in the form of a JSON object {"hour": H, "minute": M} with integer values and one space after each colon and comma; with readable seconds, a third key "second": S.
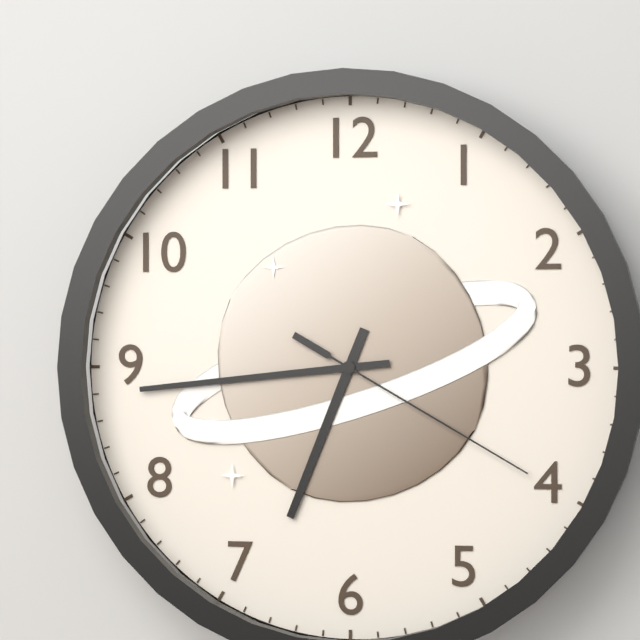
{"hour": 6, "minute": 44, "second": 20}
